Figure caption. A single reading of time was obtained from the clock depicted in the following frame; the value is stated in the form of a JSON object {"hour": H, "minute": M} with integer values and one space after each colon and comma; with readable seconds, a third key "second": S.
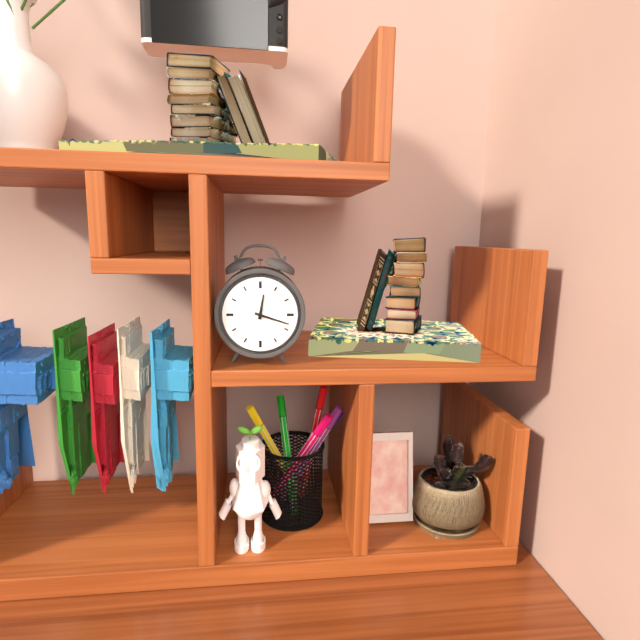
{"hour": 12, "minute": 18}
